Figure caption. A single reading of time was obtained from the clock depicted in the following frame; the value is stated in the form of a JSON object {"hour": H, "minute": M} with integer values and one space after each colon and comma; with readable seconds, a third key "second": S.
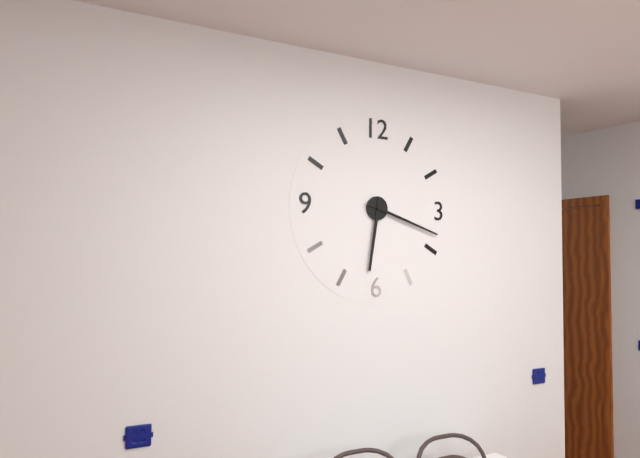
{"hour": 6, "minute": 18}
